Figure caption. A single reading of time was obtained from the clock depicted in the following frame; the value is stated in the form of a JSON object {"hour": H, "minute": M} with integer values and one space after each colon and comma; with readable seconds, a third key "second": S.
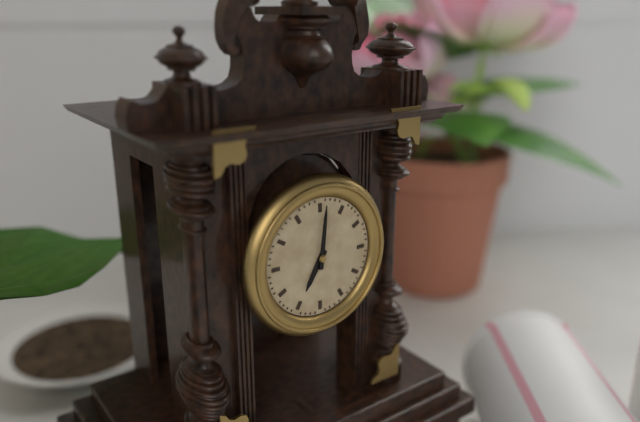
{"hour": 7, "minute": 1}
